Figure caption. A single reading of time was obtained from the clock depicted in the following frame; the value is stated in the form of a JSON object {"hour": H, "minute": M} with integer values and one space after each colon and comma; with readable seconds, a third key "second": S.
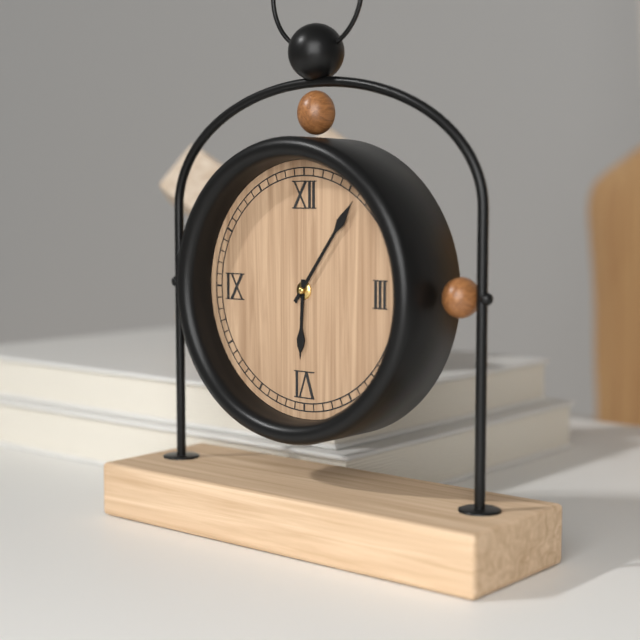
{"hour": 6, "minute": 6}
